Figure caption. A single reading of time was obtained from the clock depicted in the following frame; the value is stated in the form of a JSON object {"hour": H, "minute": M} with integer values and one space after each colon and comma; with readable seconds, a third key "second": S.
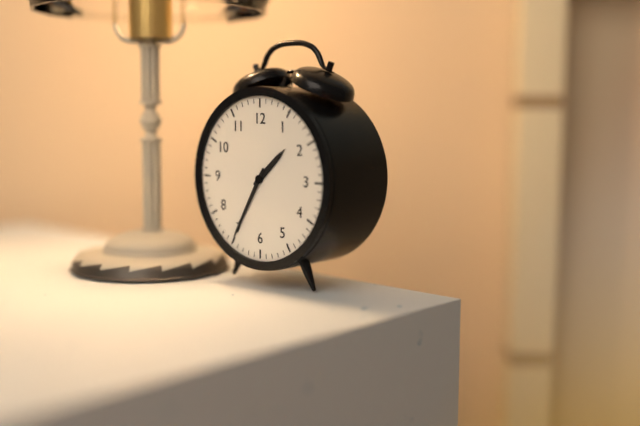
{"hour": 1, "minute": 35}
